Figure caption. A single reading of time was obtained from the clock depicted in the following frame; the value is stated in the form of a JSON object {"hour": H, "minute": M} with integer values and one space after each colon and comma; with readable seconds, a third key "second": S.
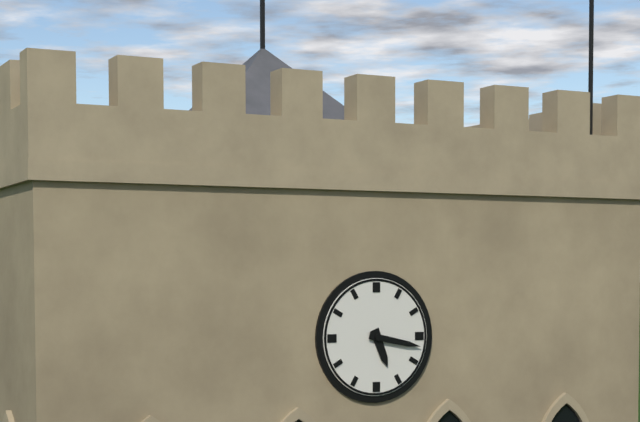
{"hour": 5, "minute": 17}
